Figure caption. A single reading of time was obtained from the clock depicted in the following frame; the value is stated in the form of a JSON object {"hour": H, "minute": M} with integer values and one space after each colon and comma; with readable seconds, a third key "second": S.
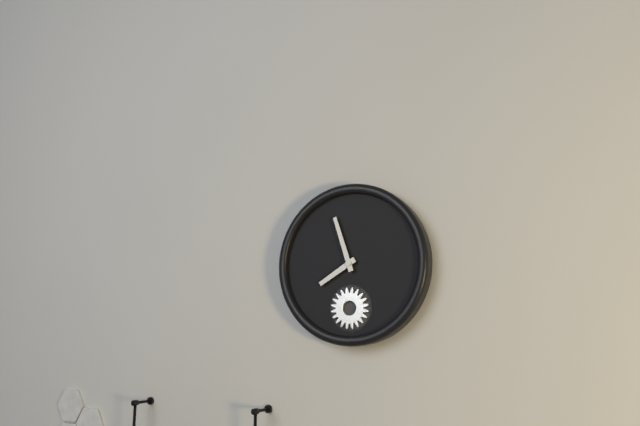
{"hour": 7, "minute": 57}
